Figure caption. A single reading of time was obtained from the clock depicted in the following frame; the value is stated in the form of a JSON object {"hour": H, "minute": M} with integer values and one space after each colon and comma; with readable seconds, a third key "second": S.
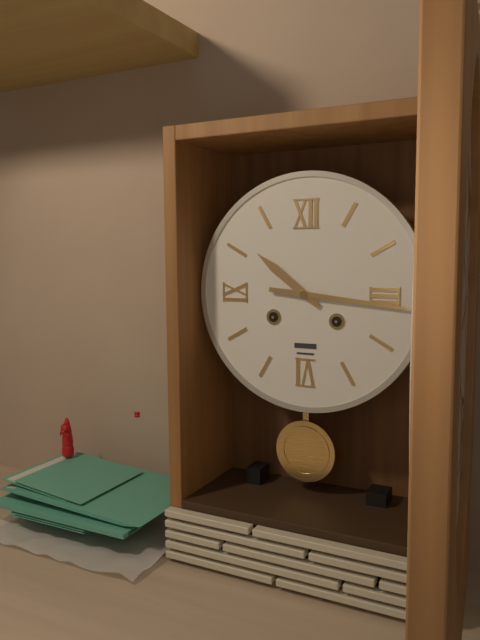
{"hour": 10, "minute": 16}
